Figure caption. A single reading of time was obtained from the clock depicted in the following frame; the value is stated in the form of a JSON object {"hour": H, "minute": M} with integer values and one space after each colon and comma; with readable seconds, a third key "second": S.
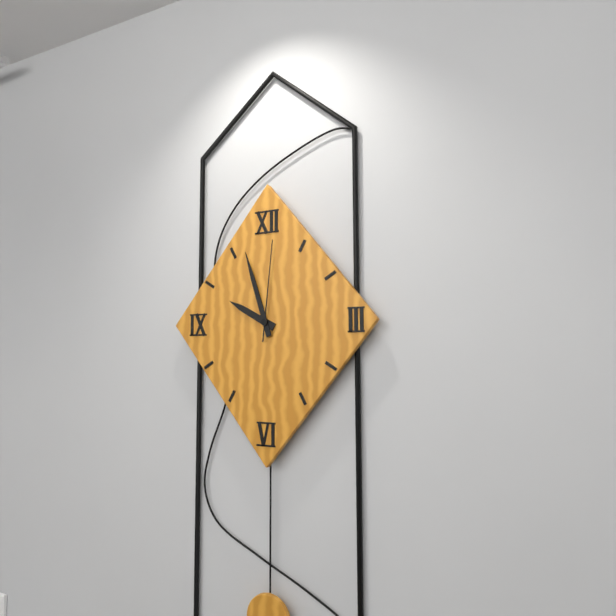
{"hour": 9, "minute": 57, "second": 1}
